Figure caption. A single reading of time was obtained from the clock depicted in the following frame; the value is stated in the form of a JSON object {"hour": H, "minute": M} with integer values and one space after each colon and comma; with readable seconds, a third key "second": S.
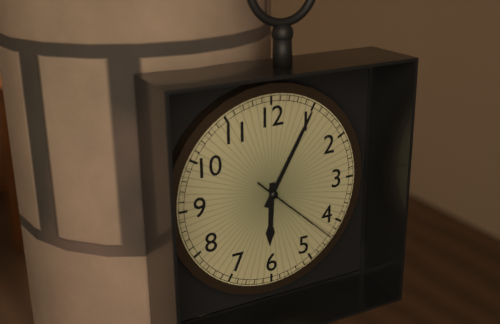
{"hour": 6, "minute": 5, "second": 22}
